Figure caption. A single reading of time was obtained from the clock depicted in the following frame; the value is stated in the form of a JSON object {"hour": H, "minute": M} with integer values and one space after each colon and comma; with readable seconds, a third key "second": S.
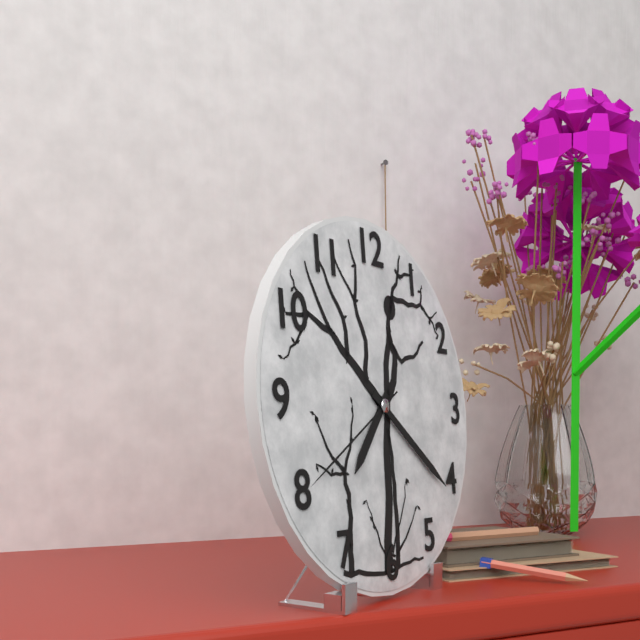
{"hour": 7, "minute": 21, "second": 40}
